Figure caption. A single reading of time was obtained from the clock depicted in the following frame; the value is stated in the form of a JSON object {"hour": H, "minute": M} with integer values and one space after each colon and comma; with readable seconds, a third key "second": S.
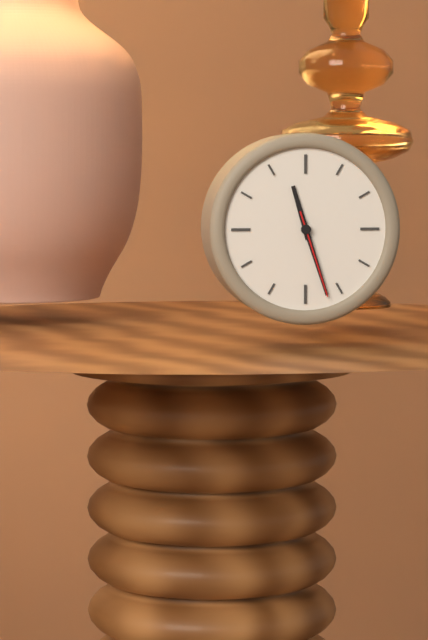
{"hour": 11, "minute": 27, "second": 27}
